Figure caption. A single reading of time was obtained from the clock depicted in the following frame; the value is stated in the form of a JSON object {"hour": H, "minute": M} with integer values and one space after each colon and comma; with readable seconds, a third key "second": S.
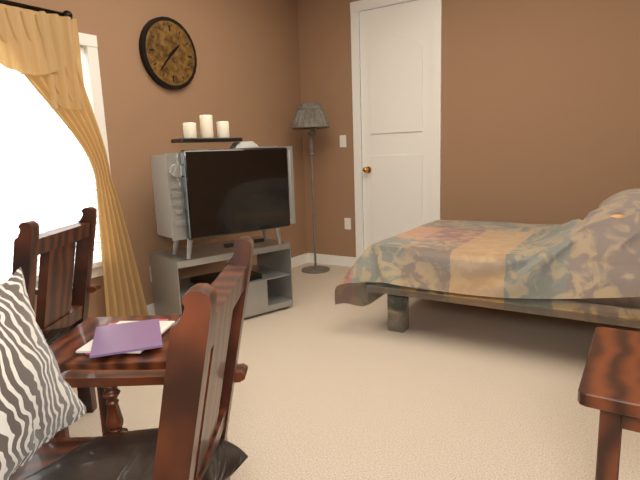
{"hour": 1, "minute": 37}
